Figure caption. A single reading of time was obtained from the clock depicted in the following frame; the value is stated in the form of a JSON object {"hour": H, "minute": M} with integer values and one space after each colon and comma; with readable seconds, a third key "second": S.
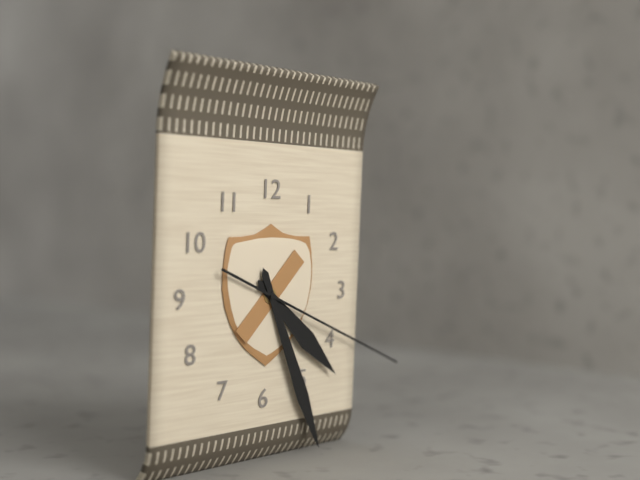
{"hour": 4, "minute": 26, "second": 19}
